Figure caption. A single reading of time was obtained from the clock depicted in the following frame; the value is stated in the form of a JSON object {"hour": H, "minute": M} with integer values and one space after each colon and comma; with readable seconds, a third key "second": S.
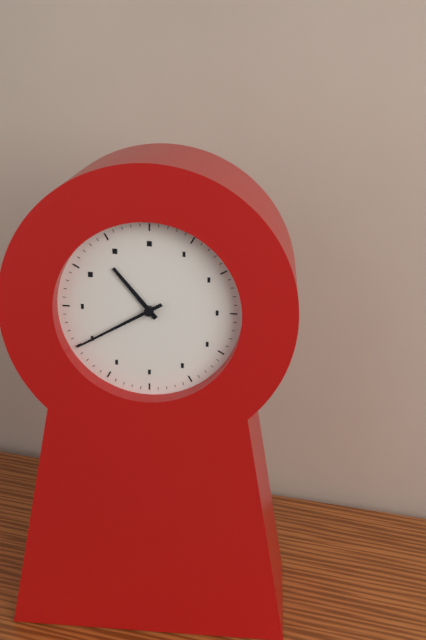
{"hour": 10, "minute": 40}
